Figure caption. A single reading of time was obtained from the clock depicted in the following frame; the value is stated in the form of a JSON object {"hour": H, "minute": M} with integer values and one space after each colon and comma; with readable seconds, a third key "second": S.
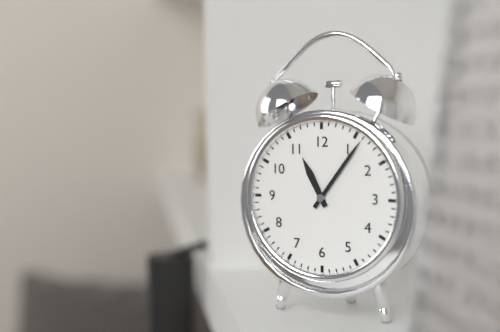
{"hour": 11, "minute": 6}
